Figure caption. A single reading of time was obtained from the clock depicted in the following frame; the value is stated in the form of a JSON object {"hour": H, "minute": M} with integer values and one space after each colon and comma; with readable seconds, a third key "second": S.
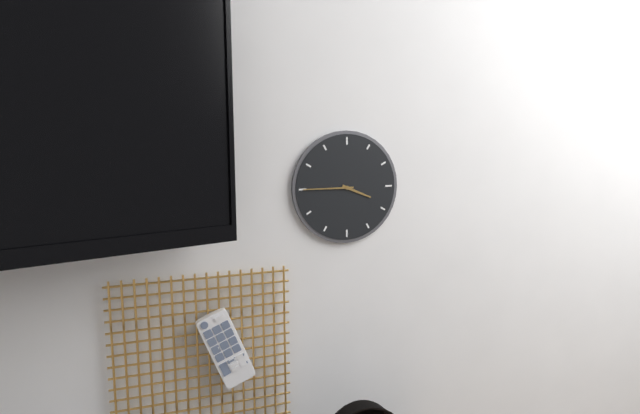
{"hour": 3, "minute": 45}
